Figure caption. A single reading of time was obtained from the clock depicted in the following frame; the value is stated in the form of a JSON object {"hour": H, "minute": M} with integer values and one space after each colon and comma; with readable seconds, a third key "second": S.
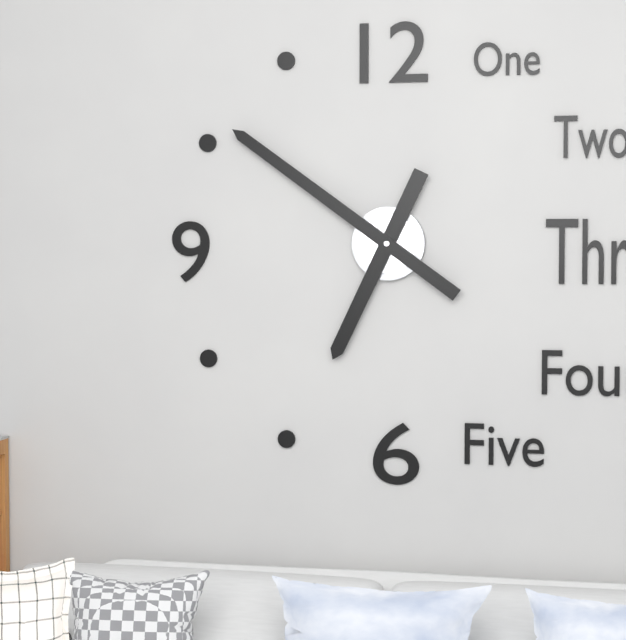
{"hour": 6, "minute": 51}
